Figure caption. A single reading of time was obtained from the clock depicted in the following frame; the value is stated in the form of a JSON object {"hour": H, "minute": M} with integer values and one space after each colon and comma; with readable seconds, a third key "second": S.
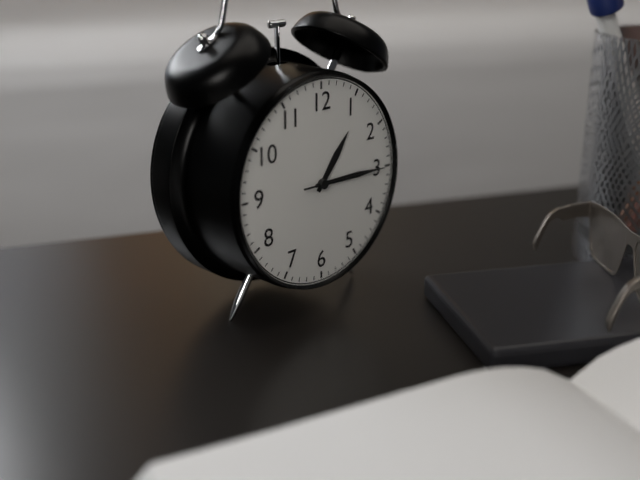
{"hour": 1, "minute": 15, "second": 15}
